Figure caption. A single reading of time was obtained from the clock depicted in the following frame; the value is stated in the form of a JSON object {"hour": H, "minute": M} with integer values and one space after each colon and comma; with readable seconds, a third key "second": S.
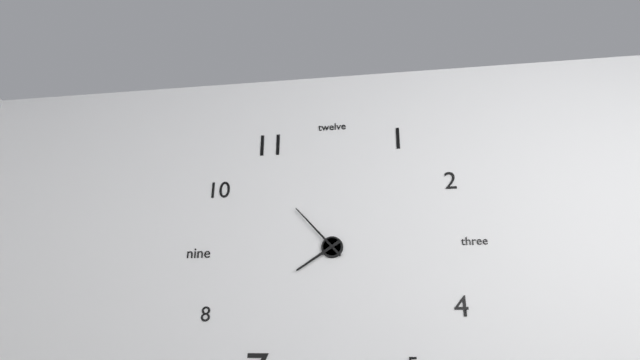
{"hour": 7, "minute": 53}
